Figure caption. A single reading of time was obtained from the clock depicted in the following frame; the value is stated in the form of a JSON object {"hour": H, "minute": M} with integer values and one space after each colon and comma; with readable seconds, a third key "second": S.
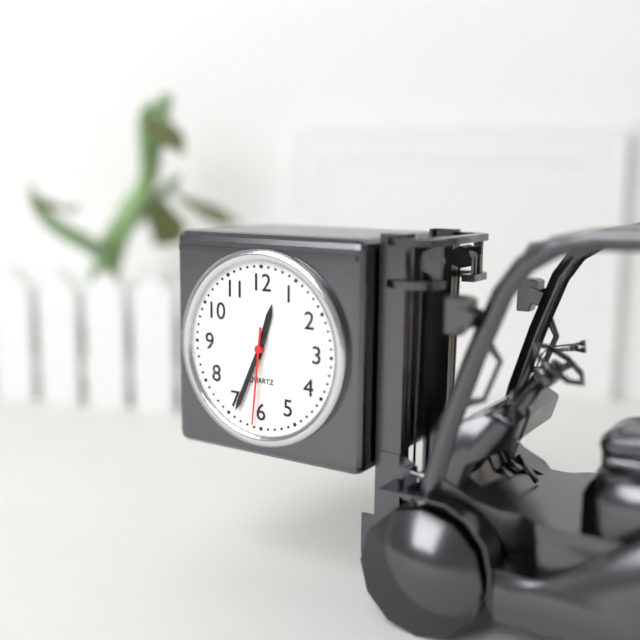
{"hour": 12, "minute": 34, "second": 31}
